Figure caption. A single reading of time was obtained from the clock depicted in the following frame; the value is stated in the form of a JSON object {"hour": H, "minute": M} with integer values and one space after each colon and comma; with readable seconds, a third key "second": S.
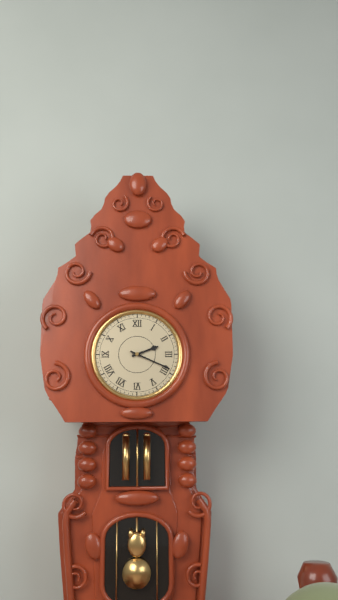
{"hour": 2, "minute": 19}
